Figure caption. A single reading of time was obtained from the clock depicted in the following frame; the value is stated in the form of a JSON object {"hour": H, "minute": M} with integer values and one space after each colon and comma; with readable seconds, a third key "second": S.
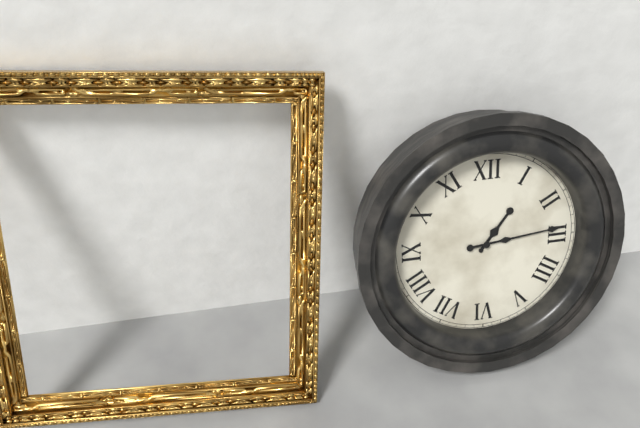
{"hour": 1, "minute": 14}
